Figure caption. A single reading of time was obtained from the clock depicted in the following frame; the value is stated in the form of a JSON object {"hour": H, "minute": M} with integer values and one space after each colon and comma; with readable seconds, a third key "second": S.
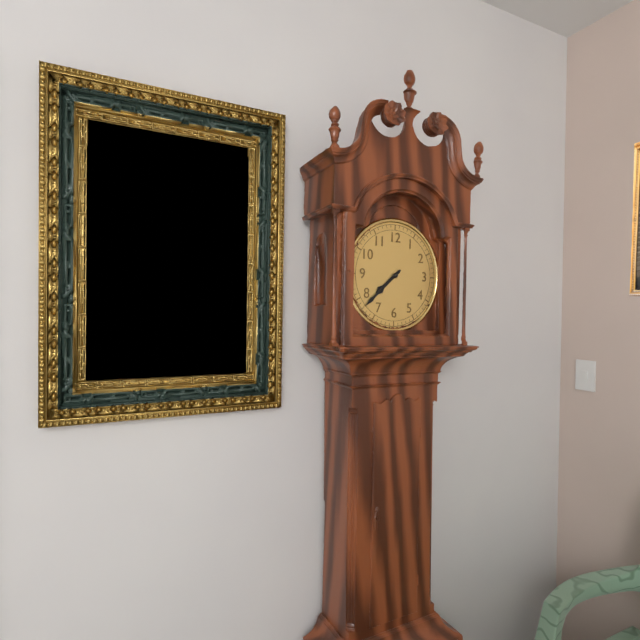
{"hour": 7, "minute": 38}
